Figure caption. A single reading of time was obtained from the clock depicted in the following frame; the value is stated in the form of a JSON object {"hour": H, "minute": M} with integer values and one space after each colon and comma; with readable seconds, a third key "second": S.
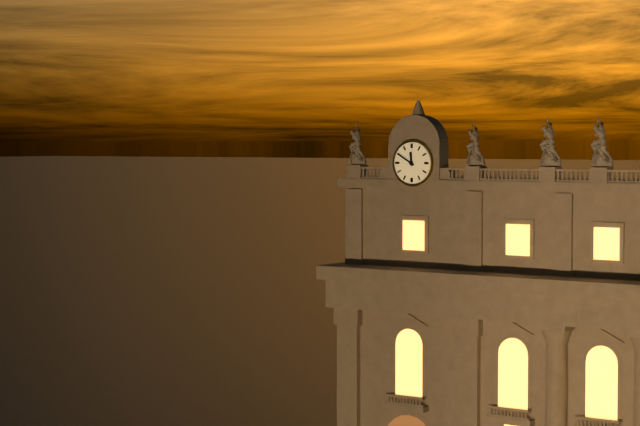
{"hour": 11, "minute": 50}
